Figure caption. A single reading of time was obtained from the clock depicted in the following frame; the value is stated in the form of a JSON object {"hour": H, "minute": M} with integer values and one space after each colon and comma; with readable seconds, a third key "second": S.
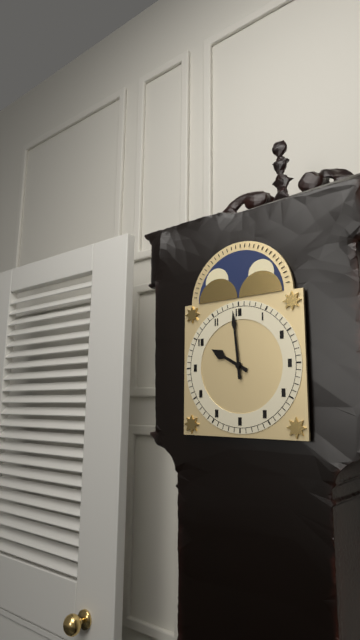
{"hour": 9, "minute": 59}
